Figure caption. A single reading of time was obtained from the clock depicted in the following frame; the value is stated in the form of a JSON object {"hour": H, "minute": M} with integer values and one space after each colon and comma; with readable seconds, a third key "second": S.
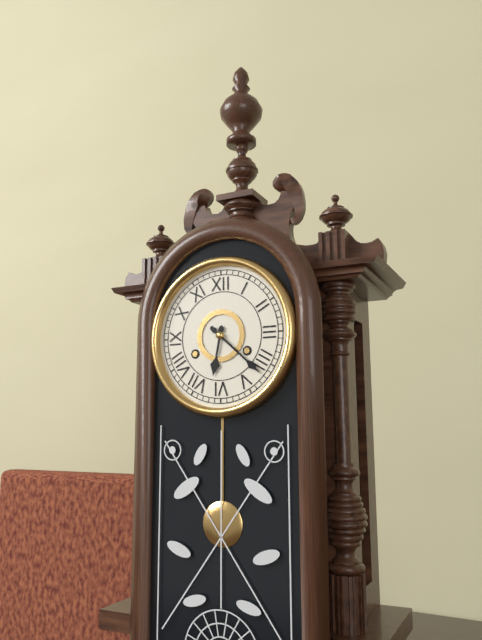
{"hour": 6, "minute": 22}
